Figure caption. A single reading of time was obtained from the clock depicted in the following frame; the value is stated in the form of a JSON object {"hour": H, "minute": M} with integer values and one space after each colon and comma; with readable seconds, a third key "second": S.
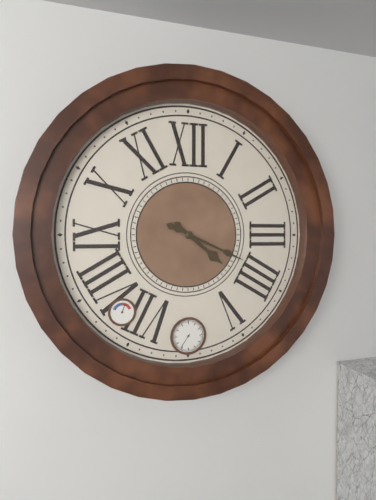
{"hour": 4, "minute": 19}
